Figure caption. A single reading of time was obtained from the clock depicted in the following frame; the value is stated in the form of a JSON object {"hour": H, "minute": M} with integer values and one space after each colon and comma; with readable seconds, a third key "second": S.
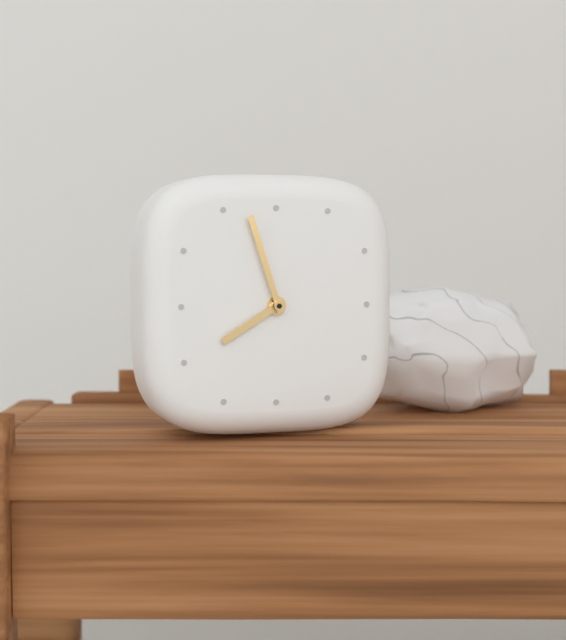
{"hour": 7, "minute": 57}
